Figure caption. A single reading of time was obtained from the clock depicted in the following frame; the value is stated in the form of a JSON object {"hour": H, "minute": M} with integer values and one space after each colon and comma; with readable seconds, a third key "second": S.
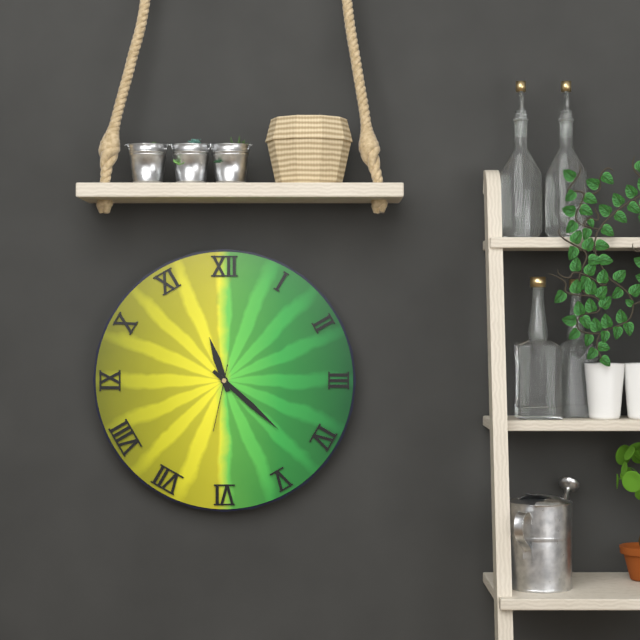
{"hour": 11, "minute": 22, "second": 32}
